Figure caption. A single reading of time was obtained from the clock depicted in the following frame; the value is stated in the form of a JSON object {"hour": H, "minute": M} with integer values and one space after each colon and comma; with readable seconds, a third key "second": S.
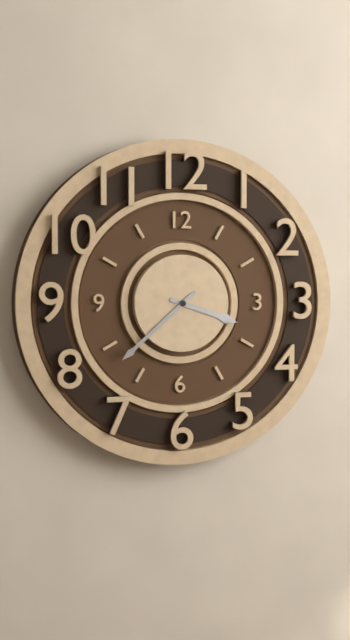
{"hour": 3, "minute": 38}
